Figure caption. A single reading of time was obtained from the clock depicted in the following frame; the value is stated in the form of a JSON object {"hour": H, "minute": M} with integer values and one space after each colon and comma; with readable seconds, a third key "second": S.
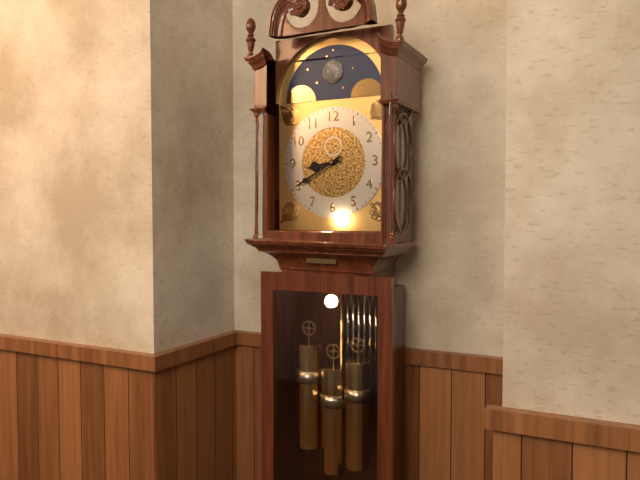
{"hour": 8, "minute": 40}
